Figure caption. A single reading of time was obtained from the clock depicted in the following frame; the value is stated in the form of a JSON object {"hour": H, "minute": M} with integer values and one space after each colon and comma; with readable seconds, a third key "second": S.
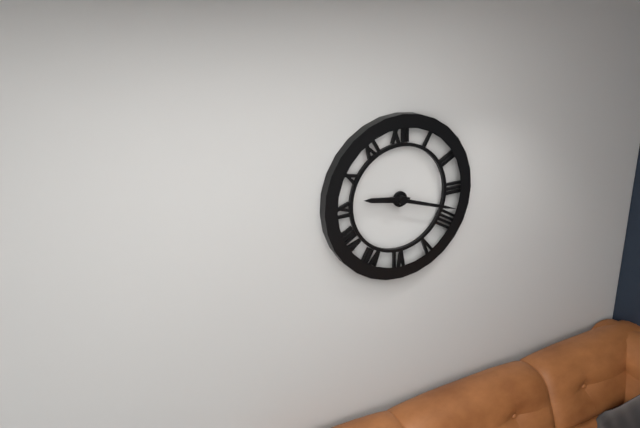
{"hour": 9, "minute": 18}
